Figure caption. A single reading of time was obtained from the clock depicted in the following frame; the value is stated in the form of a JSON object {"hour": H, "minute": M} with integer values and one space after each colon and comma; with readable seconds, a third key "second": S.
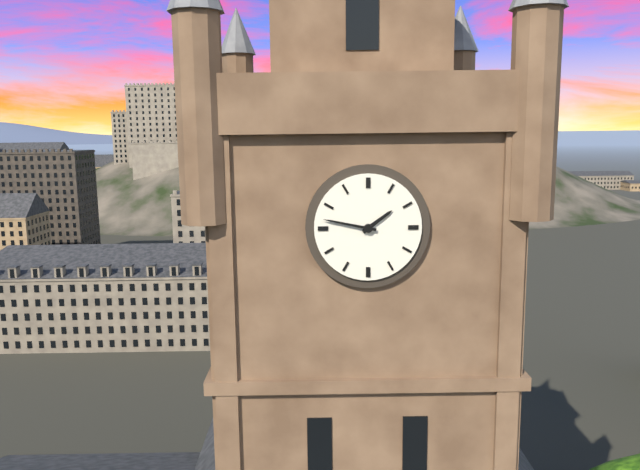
{"hour": 1, "minute": 47}
